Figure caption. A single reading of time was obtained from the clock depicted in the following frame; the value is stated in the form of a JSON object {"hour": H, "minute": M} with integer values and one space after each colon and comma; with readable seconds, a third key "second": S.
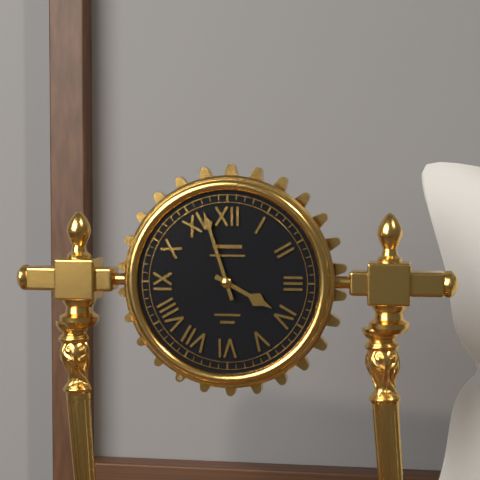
{"hour": 3, "minute": 57}
